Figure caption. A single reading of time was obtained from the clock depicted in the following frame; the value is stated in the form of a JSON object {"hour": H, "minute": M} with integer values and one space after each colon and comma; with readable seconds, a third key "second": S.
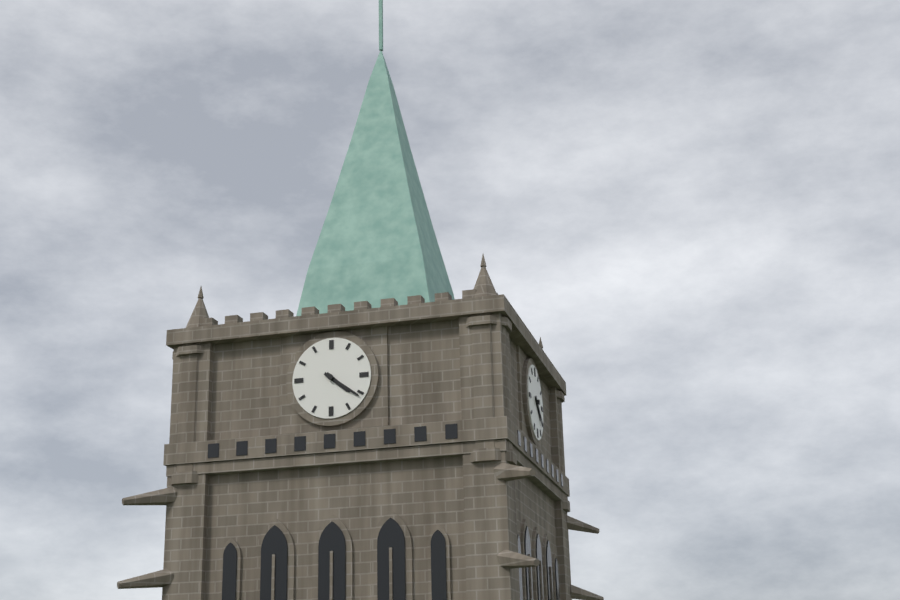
{"hour": 4, "minute": 21}
